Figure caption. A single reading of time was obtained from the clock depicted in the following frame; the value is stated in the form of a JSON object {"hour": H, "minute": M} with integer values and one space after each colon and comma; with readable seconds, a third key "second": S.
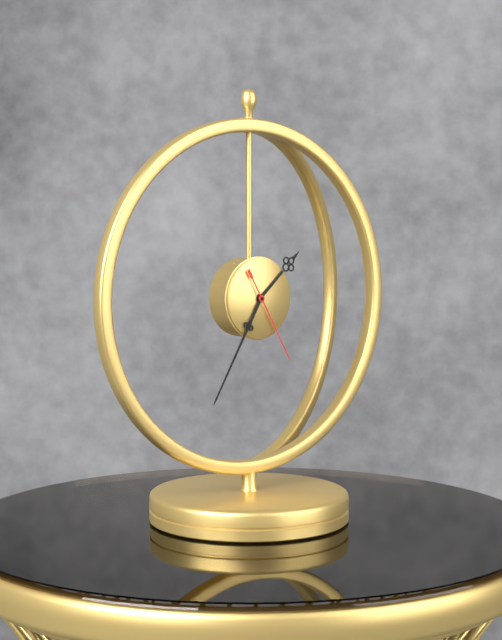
{"hour": 1, "minute": 35, "second": 25}
